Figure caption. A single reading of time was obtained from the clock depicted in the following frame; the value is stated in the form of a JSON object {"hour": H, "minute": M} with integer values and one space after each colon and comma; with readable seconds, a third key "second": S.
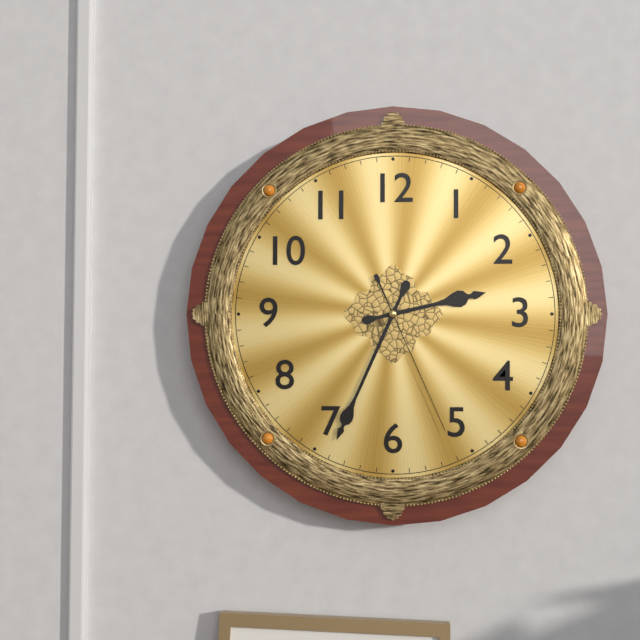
{"hour": 2, "minute": 34, "second": 26}
